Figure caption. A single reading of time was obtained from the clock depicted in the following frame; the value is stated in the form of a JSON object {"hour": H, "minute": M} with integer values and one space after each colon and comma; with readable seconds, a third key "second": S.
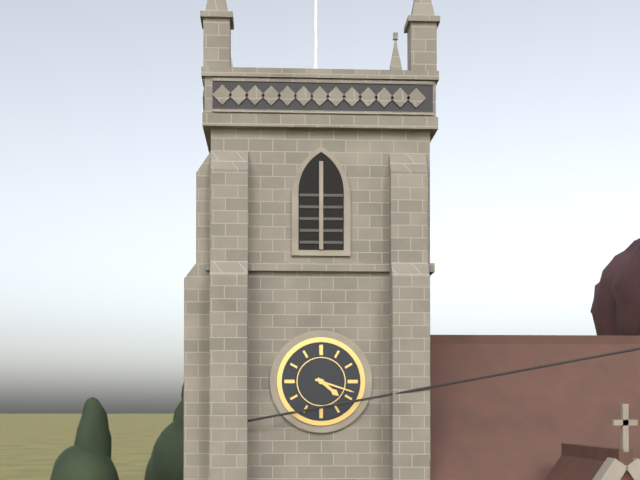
{"hour": 4, "minute": 18}
